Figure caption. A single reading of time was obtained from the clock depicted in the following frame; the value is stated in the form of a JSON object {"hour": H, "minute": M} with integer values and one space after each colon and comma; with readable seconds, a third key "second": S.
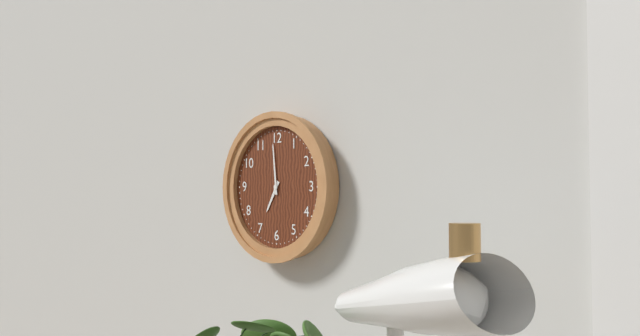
{"hour": 6, "minute": 59}
